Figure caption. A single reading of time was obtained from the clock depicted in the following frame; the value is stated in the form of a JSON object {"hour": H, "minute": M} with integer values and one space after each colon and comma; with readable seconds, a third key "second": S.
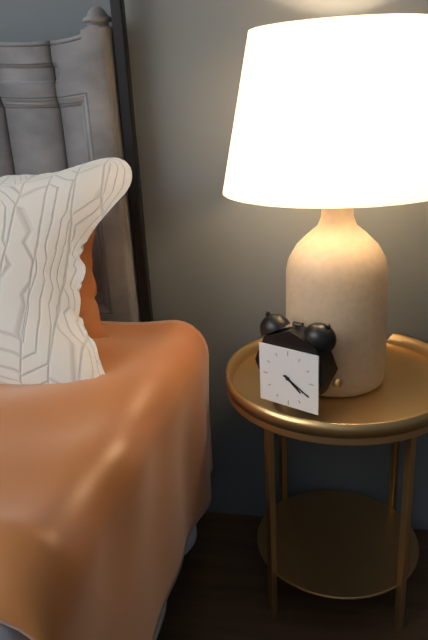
{"hour": 4, "minute": 20}
